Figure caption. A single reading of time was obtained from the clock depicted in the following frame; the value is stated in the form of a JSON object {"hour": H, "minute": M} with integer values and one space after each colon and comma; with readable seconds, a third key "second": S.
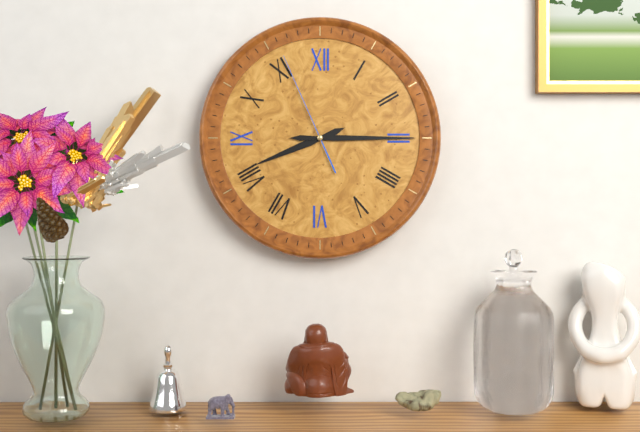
{"hour": 8, "minute": 15, "second": 56}
